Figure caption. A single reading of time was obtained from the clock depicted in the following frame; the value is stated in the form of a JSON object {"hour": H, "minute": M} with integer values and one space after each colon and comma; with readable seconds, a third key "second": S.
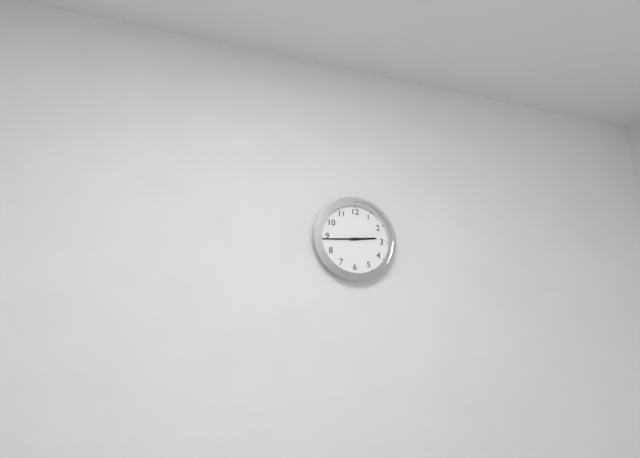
{"hour": 2, "minute": 44}
